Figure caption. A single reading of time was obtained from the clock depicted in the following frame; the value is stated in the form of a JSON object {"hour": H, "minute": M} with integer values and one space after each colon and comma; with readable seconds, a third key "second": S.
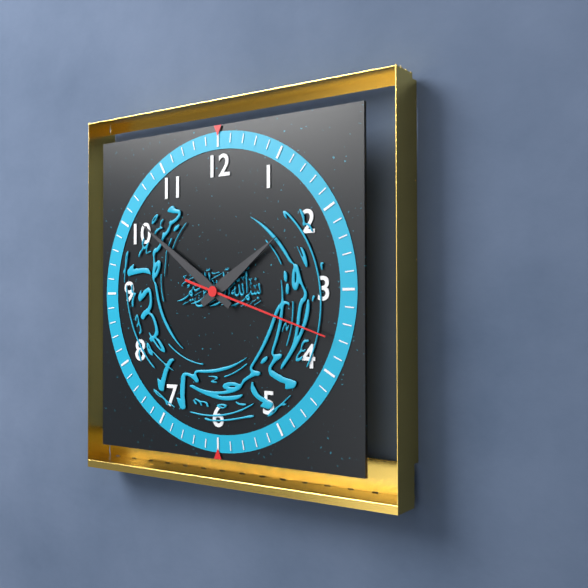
{"hour": 1, "minute": 51, "second": 18}
